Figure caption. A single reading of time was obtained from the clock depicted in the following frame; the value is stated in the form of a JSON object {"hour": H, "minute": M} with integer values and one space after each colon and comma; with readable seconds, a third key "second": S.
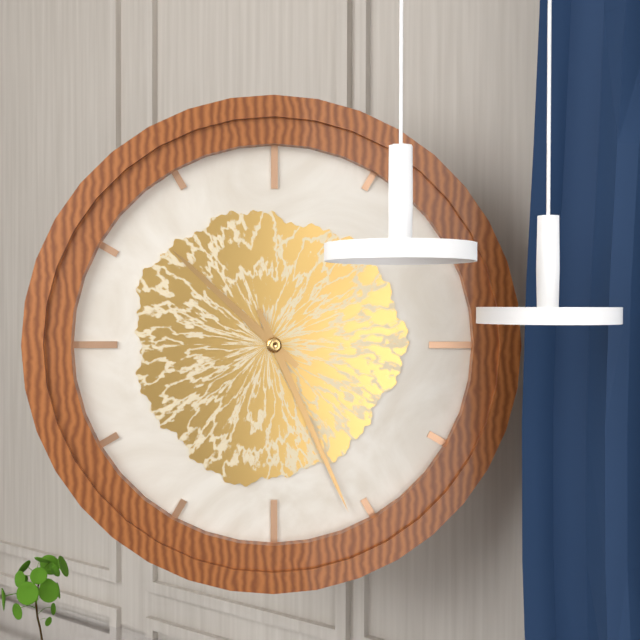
{"hour": 10, "minute": 26}
